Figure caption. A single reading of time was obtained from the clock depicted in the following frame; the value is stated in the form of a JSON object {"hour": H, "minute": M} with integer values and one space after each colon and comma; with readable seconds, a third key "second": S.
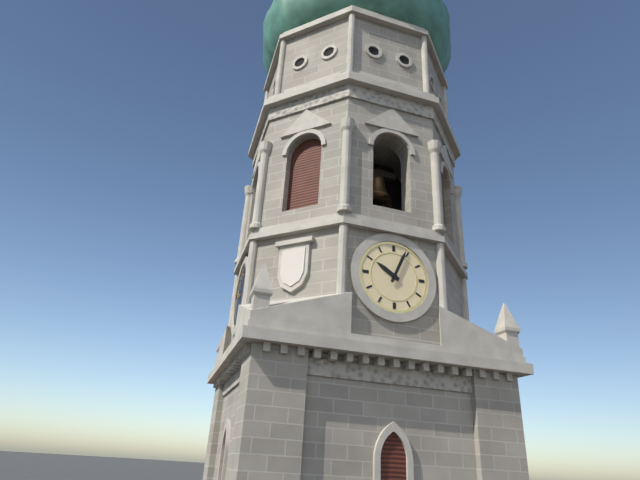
{"hour": 10, "minute": 4}
